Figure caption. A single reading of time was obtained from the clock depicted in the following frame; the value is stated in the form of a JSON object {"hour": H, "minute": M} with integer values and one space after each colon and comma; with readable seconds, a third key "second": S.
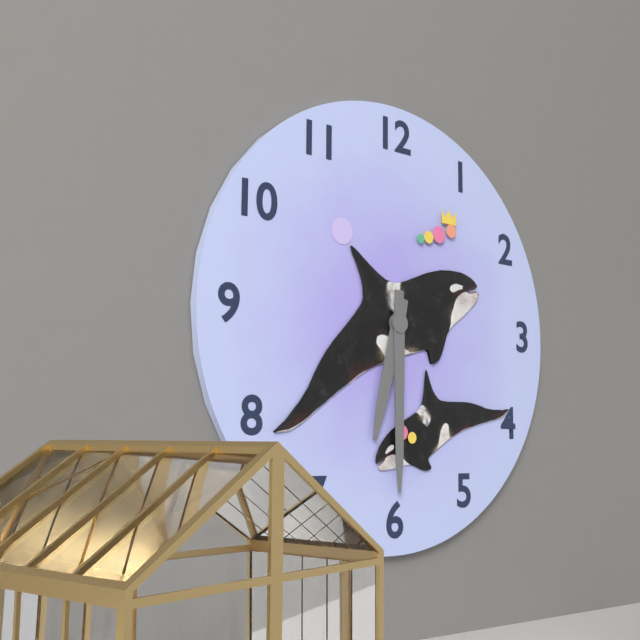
{"hour": 6, "minute": 30}
